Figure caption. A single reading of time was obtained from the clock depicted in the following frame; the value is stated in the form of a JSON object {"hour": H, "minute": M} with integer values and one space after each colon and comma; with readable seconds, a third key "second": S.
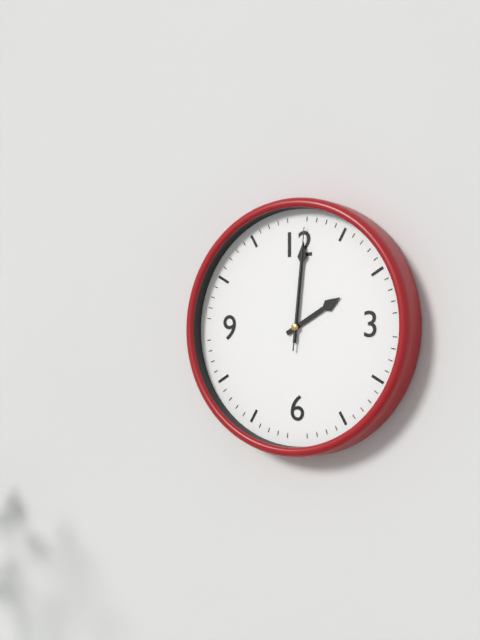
{"hour": 2, "minute": 1, "second": 1}
